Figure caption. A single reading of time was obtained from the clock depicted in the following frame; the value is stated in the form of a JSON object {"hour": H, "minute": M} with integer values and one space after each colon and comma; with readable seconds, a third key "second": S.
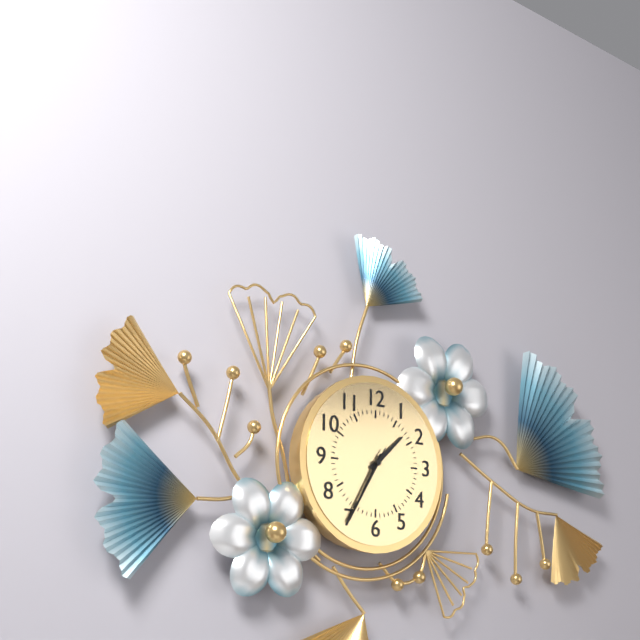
{"hour": 1, "minute": 35, "second": 35}
